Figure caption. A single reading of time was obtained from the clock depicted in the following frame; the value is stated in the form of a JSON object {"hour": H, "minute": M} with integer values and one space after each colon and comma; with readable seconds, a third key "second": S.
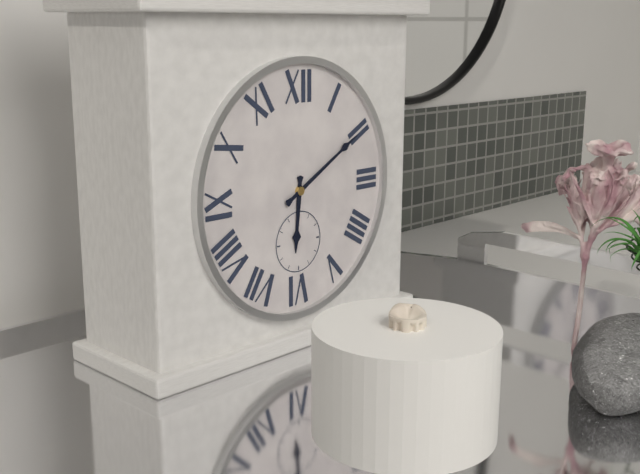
{"hour": 6, "minute": 10}
